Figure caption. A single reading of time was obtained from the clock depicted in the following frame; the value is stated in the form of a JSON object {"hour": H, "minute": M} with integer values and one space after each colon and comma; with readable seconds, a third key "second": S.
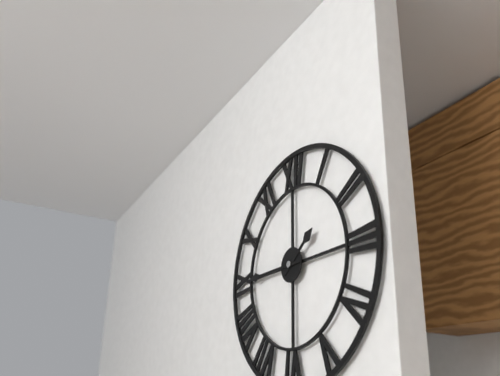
{"hour": 1, "minute": 45}
